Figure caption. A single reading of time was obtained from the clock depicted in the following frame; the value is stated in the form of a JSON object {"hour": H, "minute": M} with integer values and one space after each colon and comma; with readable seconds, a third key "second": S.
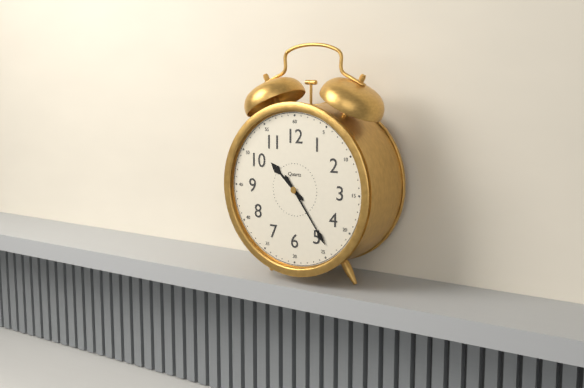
{"hour": 10, "minute": 24}
